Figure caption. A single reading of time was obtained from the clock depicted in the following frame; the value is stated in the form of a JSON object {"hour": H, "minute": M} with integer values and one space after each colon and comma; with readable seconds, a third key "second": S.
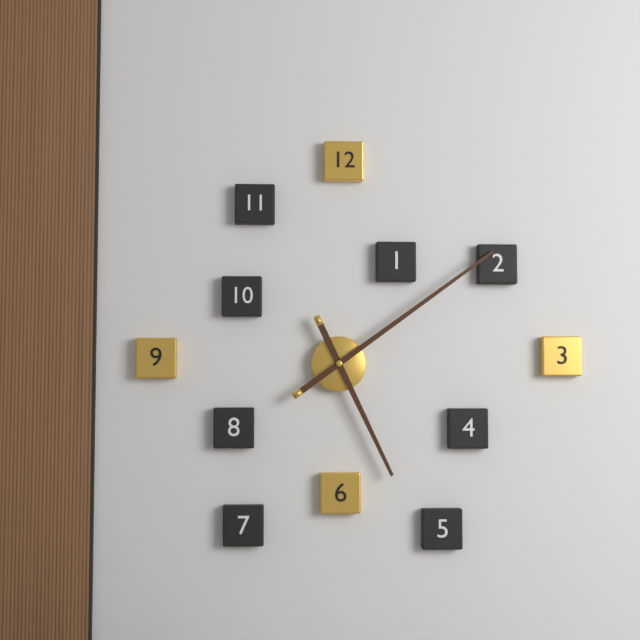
{"hour": 5, "minute": 9}
